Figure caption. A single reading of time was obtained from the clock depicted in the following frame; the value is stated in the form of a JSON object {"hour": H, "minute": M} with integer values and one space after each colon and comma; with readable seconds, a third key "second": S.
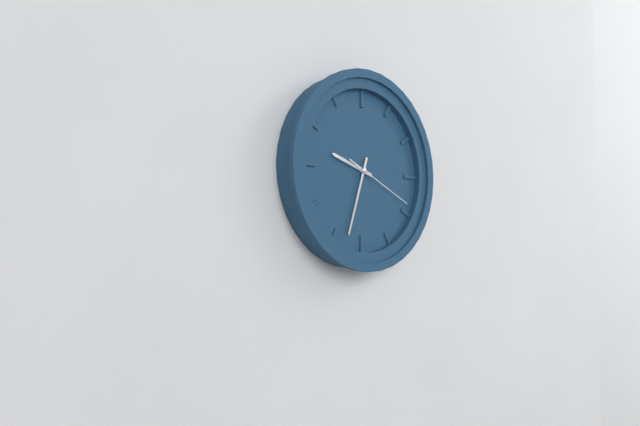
{"hour": 9, "minute": 33, "second": 19}
